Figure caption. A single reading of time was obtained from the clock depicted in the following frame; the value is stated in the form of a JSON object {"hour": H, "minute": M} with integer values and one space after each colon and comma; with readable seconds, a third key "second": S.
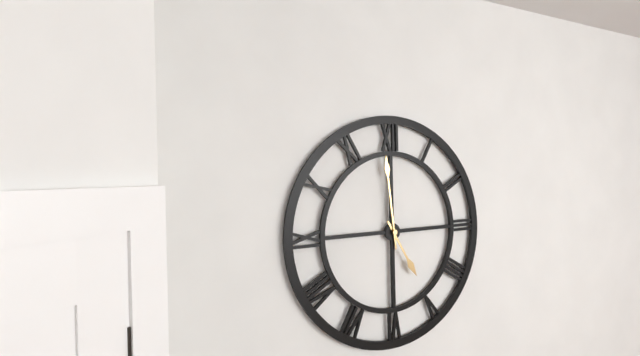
{"hour": 4, "minute": 59}
